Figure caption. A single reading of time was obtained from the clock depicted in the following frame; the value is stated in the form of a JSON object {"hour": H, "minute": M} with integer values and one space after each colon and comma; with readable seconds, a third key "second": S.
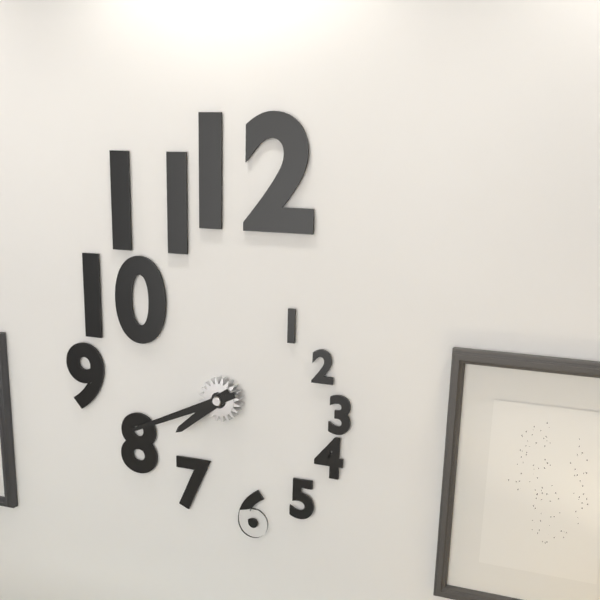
{"hour": 7, "minute": 41}
